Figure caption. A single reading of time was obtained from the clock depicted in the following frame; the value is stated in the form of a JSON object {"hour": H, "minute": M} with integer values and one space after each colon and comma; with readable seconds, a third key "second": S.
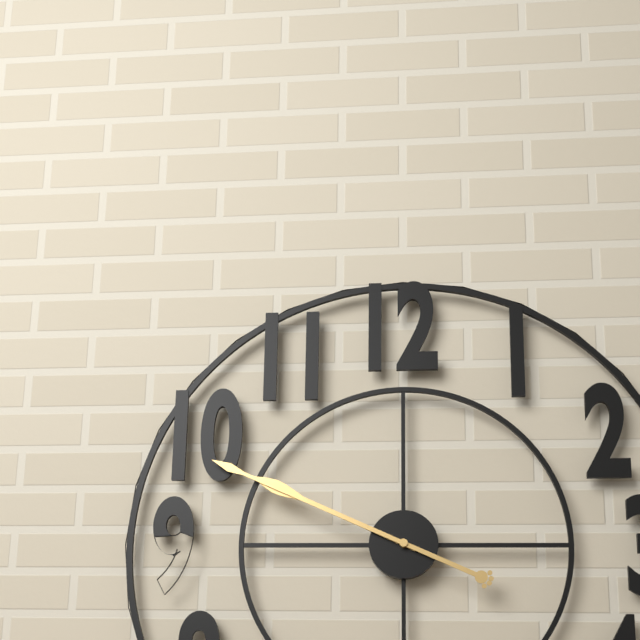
{"hour": 9, "minute": 49}
